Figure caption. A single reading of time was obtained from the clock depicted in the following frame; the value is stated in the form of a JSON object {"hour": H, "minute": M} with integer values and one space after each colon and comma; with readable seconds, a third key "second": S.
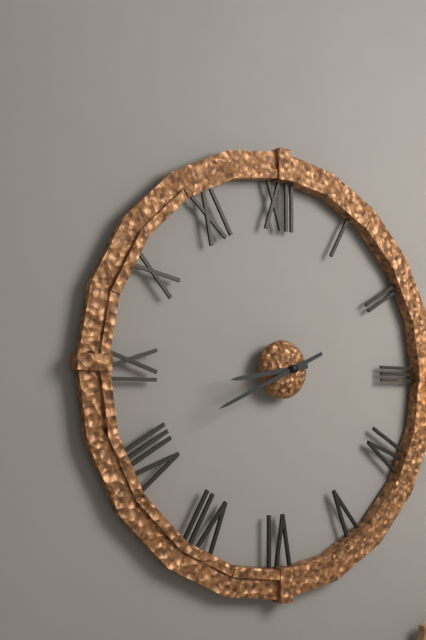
{"hour": 8, "minute": 41}
